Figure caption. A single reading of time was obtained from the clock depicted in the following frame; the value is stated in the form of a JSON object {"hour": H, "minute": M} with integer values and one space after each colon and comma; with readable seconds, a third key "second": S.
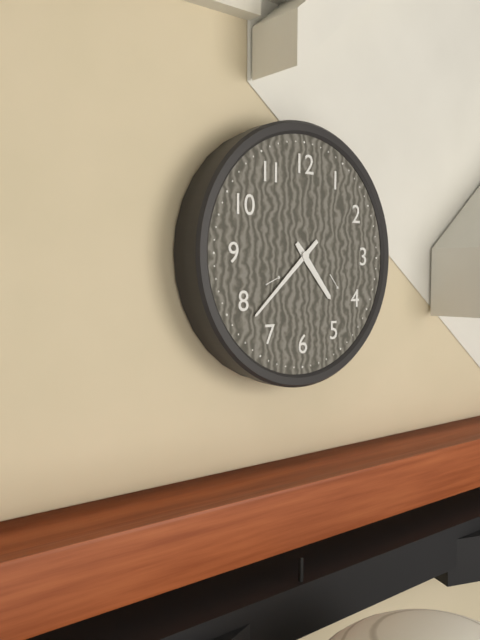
{"hour": 4, "minute": 38}
